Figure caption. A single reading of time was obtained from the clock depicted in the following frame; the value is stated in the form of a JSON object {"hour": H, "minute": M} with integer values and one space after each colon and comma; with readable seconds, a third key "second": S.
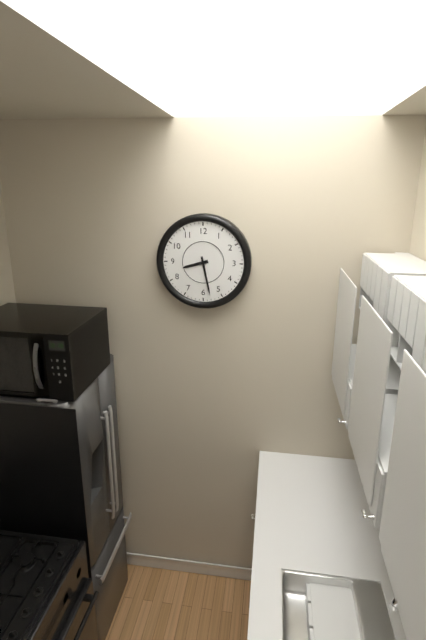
{"hour": 8, "minute": 28}
